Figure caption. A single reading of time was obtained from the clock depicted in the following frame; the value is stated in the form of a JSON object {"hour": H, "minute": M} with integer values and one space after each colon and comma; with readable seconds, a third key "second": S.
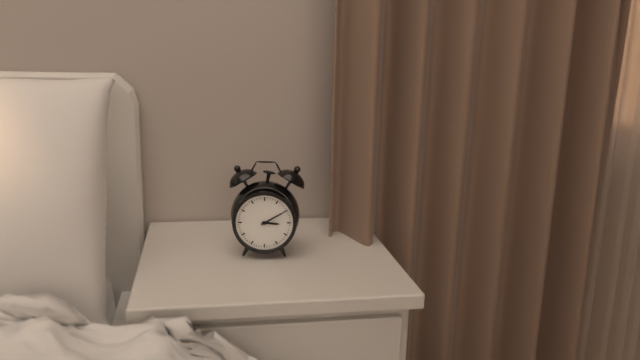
{"hour": 3, "minute": 10}
